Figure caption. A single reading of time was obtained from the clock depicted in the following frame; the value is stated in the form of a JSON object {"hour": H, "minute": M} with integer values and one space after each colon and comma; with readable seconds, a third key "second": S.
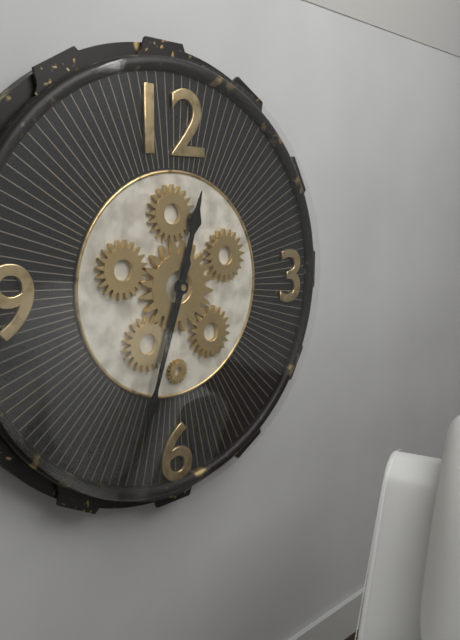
{"hour": 12, "minute": 33}
